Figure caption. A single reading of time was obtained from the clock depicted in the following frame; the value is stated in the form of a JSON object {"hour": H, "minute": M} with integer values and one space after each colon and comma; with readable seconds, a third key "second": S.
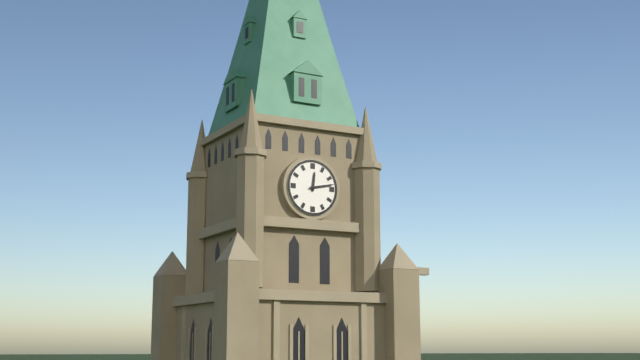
{"hour": 12, "minute": 13}
